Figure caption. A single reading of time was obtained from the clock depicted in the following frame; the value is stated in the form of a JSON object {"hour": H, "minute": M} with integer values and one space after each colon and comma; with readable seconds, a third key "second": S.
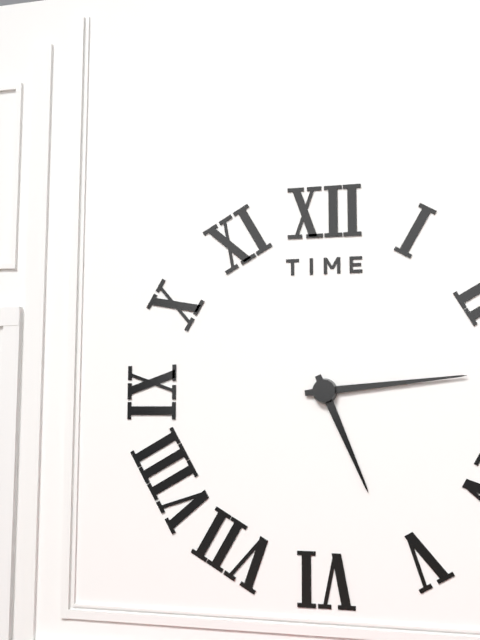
{"hour": 5, "minute": 14}
